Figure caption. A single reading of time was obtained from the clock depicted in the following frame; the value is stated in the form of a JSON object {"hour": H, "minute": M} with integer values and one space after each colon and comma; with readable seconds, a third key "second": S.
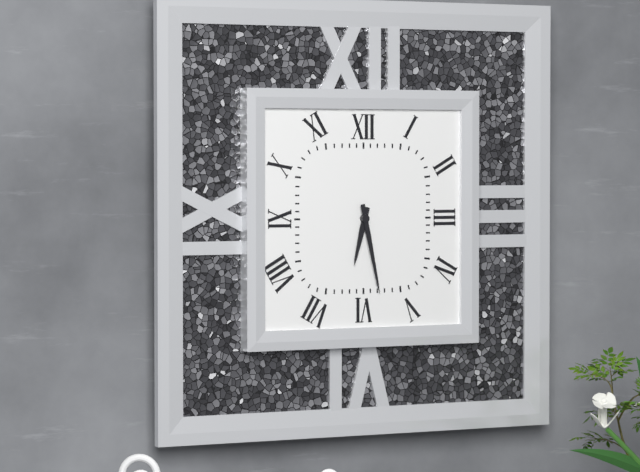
{"hour": 6, "minute": 28}
